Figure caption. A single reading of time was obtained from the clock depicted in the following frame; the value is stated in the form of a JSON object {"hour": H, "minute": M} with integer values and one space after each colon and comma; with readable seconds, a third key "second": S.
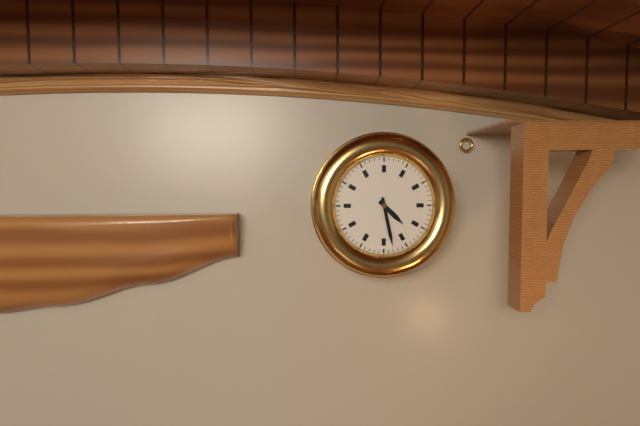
{"hour": 4, "minute": 28}
